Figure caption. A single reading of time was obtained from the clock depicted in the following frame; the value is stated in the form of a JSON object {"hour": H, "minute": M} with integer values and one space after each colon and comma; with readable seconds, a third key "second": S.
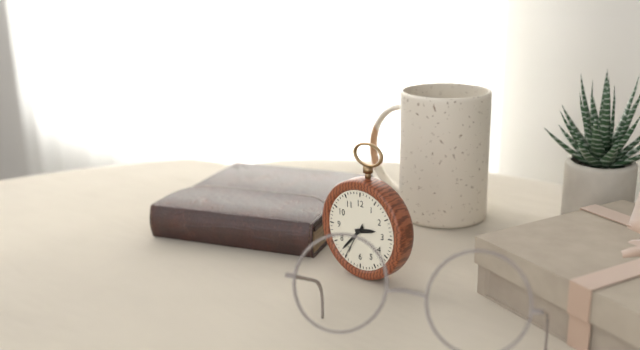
{"hour": 2, "minute": 37}
